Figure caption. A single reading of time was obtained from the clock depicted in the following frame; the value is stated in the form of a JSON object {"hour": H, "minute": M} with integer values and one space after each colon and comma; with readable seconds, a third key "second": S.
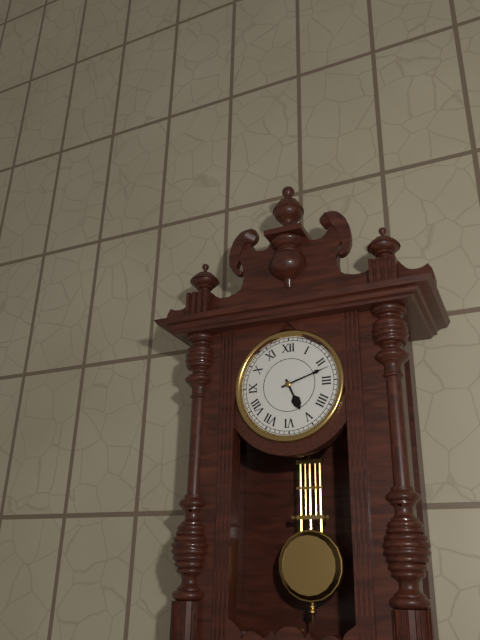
{"hour": 5, "minute": 12}
